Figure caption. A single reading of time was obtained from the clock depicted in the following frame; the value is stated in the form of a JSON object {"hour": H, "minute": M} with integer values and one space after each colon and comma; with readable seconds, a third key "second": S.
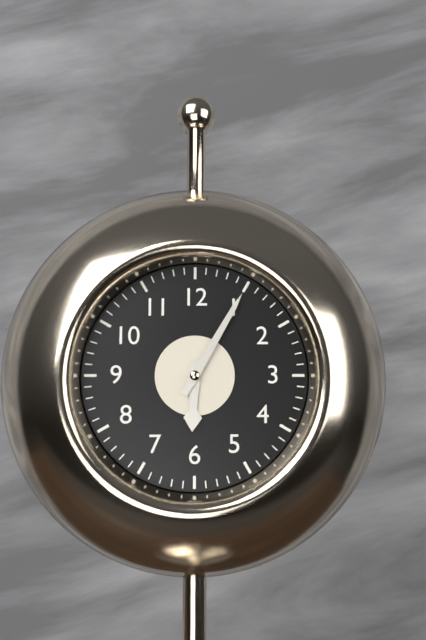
{"hour": 6, "minute": 5}
